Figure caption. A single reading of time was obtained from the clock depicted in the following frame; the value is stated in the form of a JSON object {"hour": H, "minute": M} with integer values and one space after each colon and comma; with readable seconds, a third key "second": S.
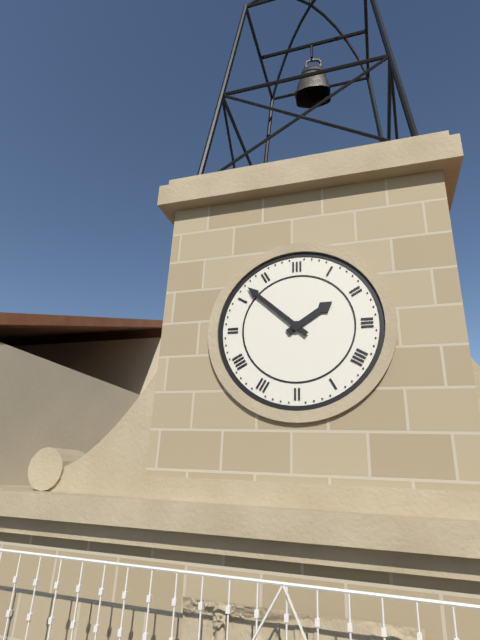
{"hour": 1, "minute": 52}
